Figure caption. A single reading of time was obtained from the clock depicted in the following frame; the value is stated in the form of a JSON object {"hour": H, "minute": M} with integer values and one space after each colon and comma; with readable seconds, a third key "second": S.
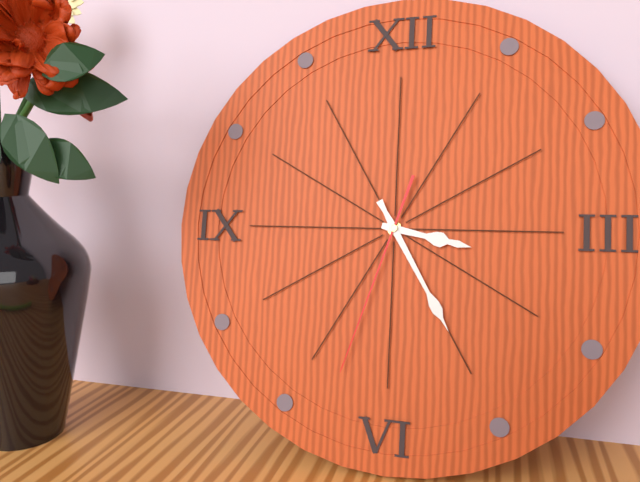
{"hour": 3, "minute": 25, "second": 33}
